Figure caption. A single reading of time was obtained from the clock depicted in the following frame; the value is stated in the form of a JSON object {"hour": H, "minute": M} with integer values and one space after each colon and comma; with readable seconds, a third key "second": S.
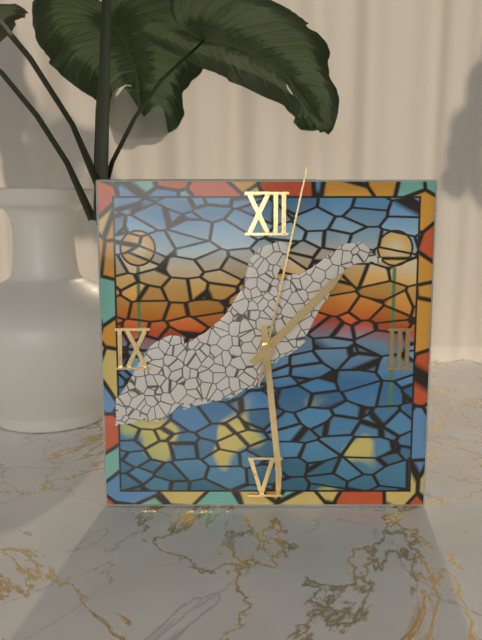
{"hour": 1, "minute": 29, "second": 2}
